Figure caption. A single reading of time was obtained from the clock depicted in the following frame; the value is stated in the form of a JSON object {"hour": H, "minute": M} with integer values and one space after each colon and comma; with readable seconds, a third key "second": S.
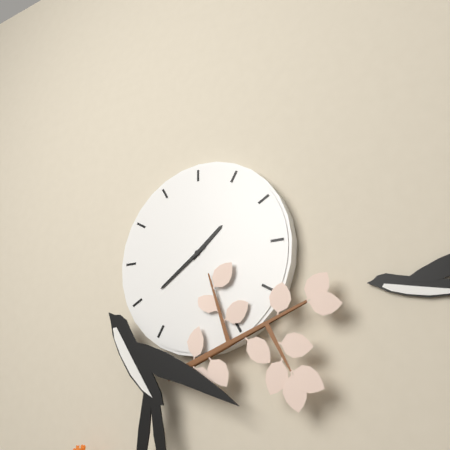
{"hour": 1, "minute": 39}
